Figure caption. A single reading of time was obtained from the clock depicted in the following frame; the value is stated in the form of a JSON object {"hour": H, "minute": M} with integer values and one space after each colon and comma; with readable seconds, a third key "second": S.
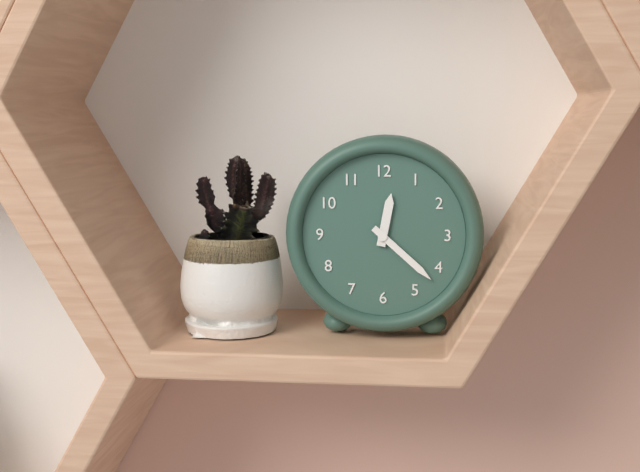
{"hour": 12, "minute": 22}
